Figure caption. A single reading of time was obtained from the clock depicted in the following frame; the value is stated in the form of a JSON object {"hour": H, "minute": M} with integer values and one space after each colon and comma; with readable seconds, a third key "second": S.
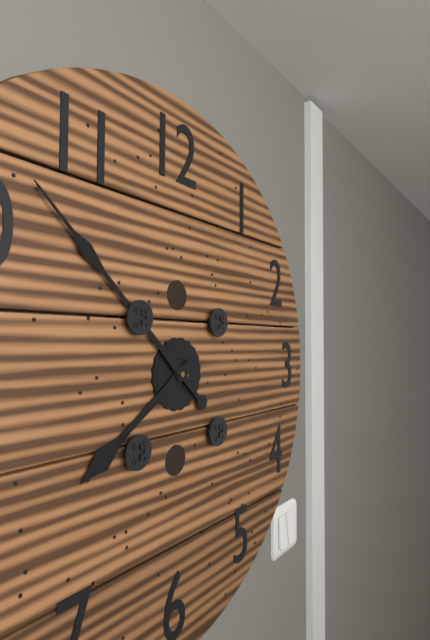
{"hour": 7, "minute": 52}
